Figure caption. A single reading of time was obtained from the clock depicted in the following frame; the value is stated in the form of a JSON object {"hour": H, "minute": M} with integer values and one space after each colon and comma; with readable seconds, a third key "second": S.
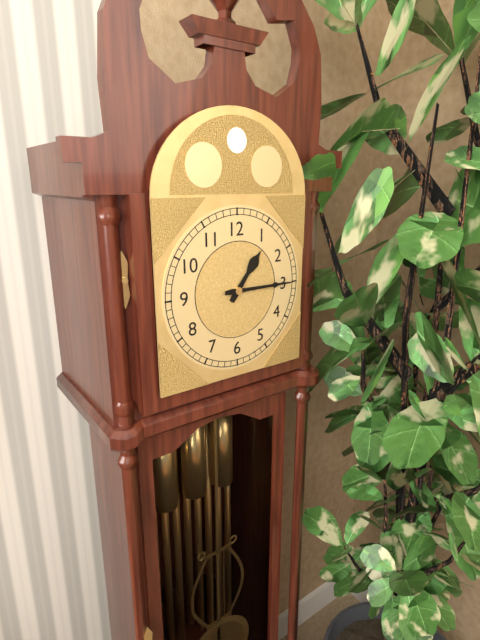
{"hour": 1, "minute": 15}
